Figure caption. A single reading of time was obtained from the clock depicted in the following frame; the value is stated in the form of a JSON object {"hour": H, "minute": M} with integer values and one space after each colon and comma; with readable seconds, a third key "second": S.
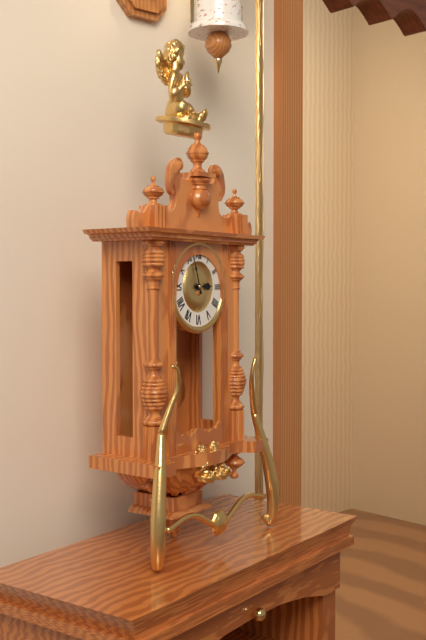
{"hour": 2, "minute": 57}
